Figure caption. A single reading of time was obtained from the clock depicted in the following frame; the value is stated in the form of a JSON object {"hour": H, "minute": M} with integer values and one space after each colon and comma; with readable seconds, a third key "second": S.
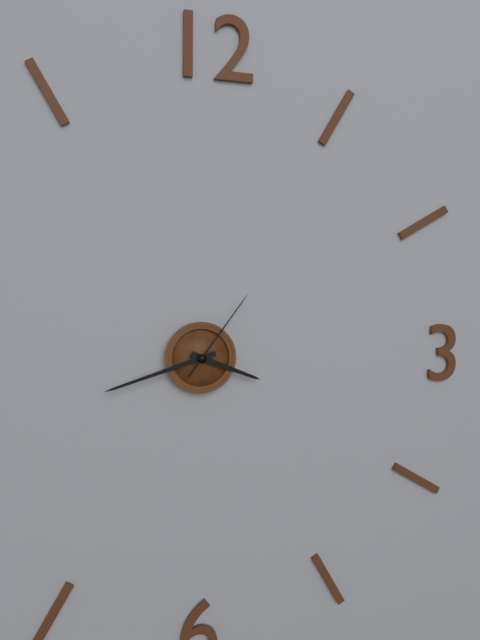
{"hour": 3, "minute": 42, "second": 6}
